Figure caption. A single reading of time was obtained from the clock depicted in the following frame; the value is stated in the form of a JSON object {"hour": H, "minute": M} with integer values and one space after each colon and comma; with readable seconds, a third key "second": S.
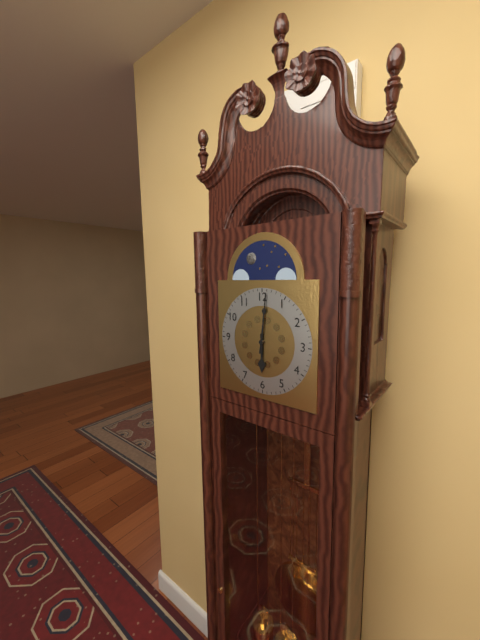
{"hour": 6, "minute": 1}
